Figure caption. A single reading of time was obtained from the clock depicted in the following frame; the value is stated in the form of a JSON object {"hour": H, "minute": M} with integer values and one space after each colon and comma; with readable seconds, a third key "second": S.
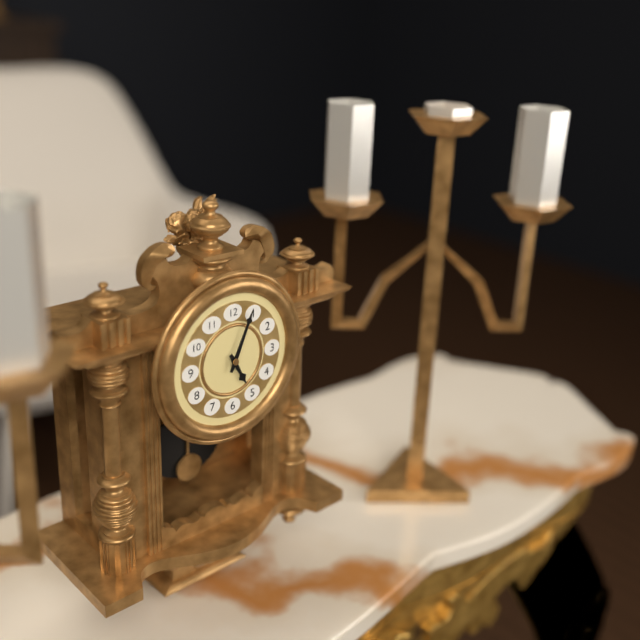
{"hour": 5, "minute": 4}
